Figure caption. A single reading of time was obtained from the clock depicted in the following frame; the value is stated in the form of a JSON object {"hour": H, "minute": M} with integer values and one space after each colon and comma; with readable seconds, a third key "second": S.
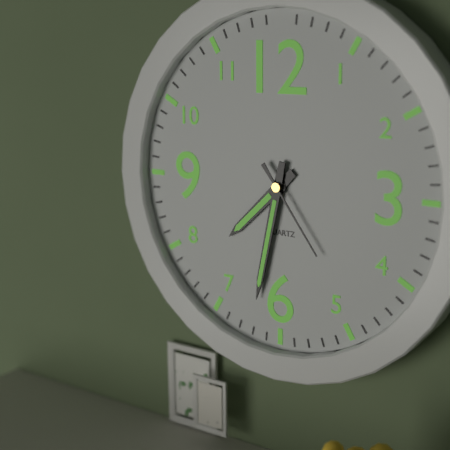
{"hour": 7, "minute": 32, "second": 24}
